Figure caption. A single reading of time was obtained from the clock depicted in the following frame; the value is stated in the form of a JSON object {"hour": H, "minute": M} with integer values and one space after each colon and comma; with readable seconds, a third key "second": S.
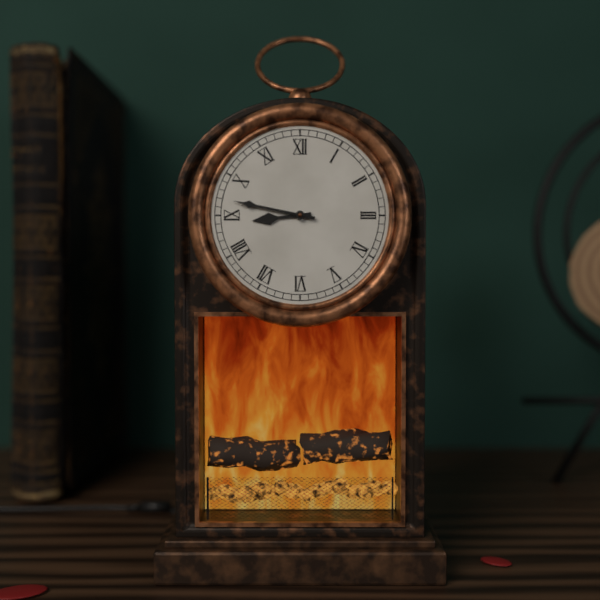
{"hour": 8, "minute": 47}
